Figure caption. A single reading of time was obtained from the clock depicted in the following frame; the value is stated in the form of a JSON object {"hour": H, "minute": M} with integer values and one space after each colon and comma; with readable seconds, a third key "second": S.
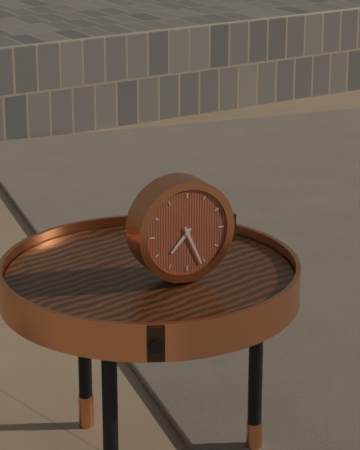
{"hour": 7, "minute": 26}
